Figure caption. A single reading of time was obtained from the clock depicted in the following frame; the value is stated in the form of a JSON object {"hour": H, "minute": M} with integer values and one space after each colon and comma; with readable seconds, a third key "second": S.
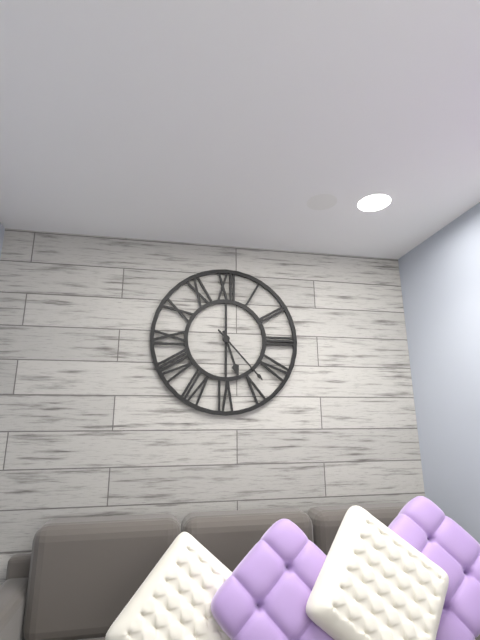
{"hour": 5, "minute": 23}
